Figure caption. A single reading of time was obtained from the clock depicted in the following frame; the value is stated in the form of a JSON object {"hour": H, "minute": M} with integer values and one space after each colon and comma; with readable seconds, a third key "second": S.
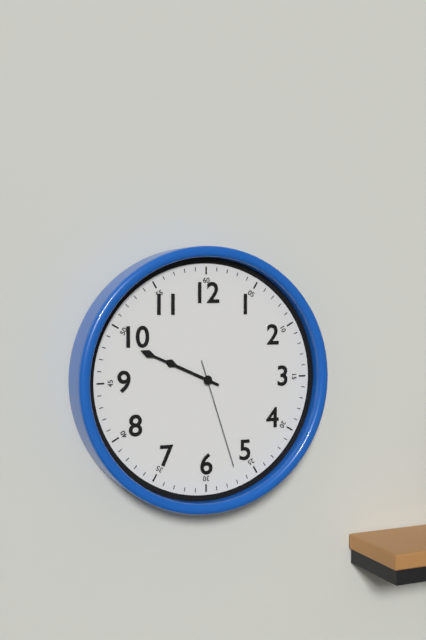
{"hour": 9, "minute": 49, "second": 27}
